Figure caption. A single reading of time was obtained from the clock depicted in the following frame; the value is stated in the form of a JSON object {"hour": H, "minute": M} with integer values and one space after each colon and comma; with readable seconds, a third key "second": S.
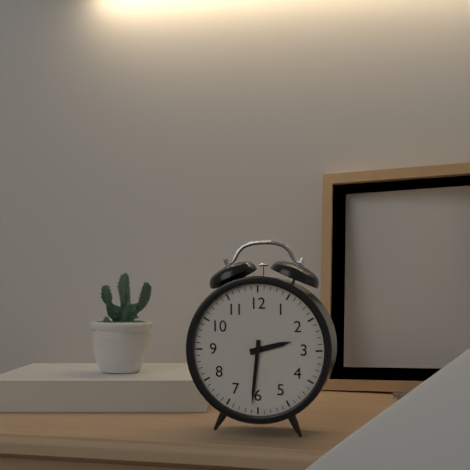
{"hour": 2, "minute": 31}
